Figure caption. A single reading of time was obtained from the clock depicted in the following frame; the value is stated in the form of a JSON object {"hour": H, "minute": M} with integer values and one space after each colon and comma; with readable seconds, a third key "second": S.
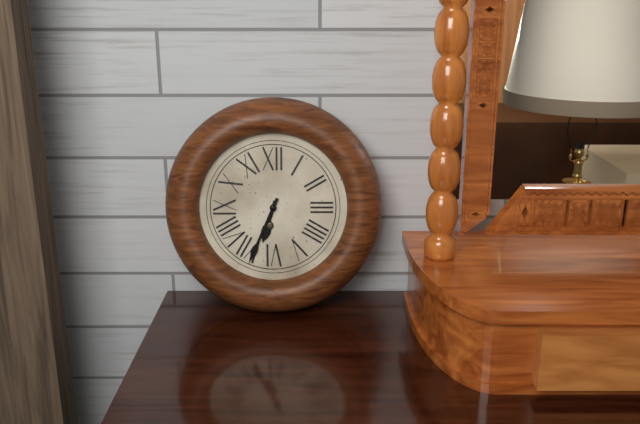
{"hour": 6, "minute": 34}
